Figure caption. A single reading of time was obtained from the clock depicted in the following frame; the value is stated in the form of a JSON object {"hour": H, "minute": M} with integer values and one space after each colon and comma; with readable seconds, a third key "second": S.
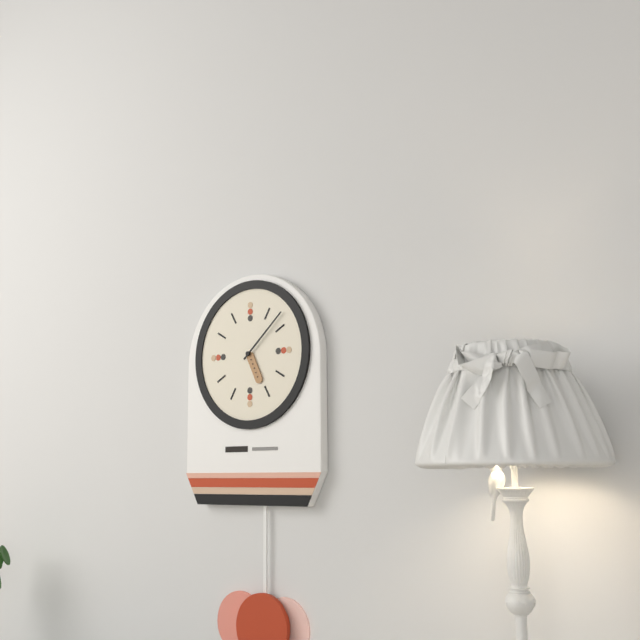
{"hour": 5, "minute": 8}
